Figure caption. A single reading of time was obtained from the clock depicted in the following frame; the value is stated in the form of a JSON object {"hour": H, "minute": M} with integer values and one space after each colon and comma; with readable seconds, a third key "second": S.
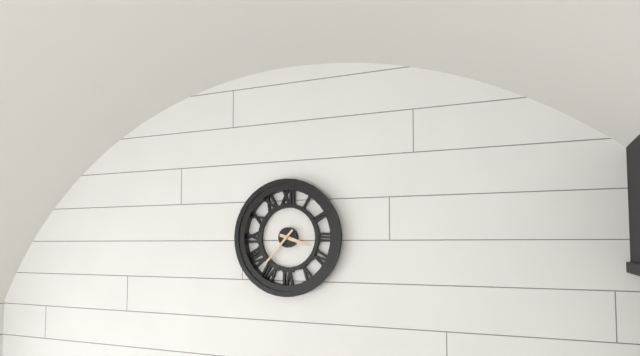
{"hour": 3, "minute": 37}
